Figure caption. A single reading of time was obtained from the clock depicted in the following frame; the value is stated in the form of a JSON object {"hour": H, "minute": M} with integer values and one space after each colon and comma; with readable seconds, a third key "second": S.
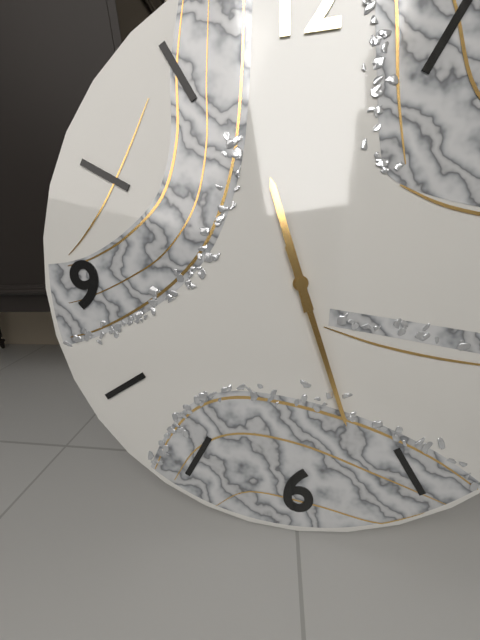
{"hour": 11, "minute": 27}
